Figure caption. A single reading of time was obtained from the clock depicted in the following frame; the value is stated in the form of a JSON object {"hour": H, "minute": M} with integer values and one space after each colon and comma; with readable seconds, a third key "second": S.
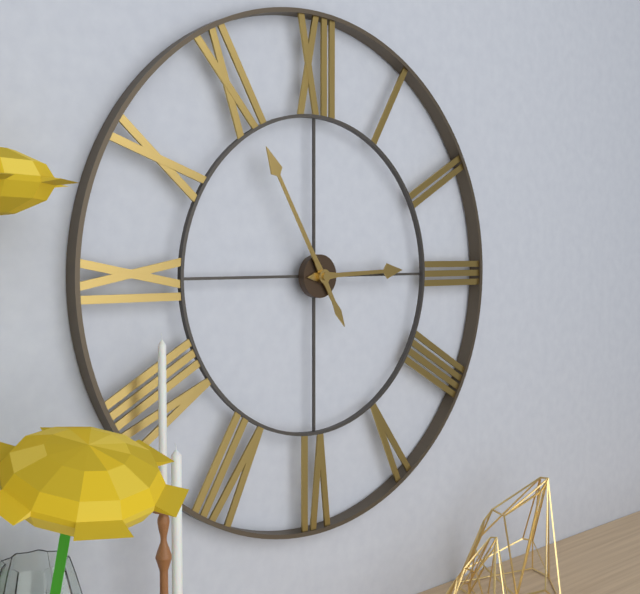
{"hour": 2, "minute": 55}
